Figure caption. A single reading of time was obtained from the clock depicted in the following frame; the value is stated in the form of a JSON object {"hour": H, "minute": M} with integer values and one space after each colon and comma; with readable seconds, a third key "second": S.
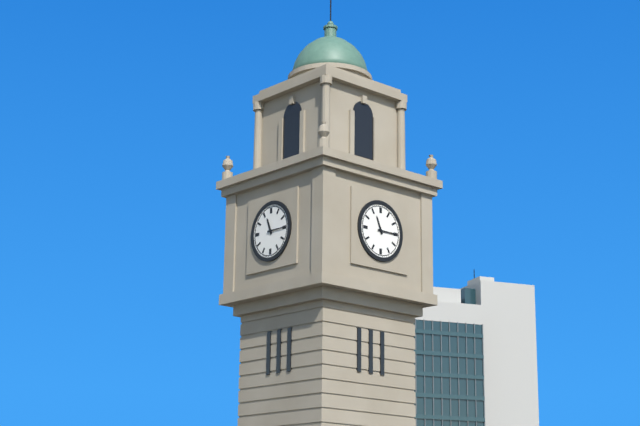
{"hour": 11, "minute": 15}
